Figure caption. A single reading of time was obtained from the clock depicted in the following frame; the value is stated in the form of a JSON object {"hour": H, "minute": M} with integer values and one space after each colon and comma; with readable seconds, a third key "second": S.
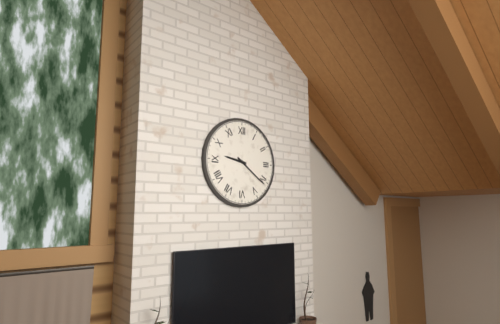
{"hour": 9, "minute": 21}
